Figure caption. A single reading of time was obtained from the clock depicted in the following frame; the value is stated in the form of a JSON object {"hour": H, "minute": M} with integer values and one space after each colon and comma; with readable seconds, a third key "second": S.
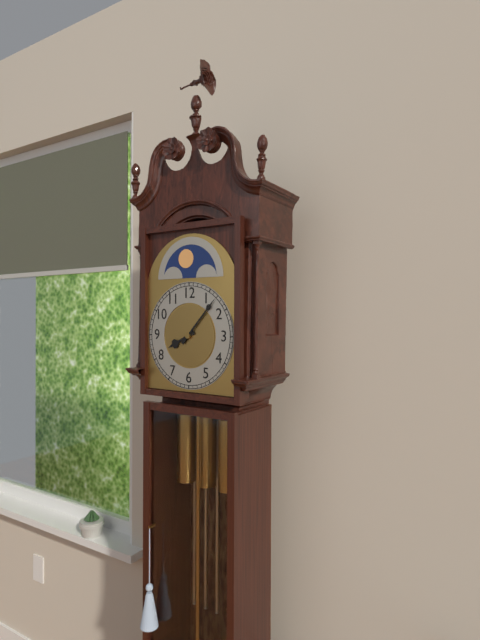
{"hour": 8, "minute": 7}
